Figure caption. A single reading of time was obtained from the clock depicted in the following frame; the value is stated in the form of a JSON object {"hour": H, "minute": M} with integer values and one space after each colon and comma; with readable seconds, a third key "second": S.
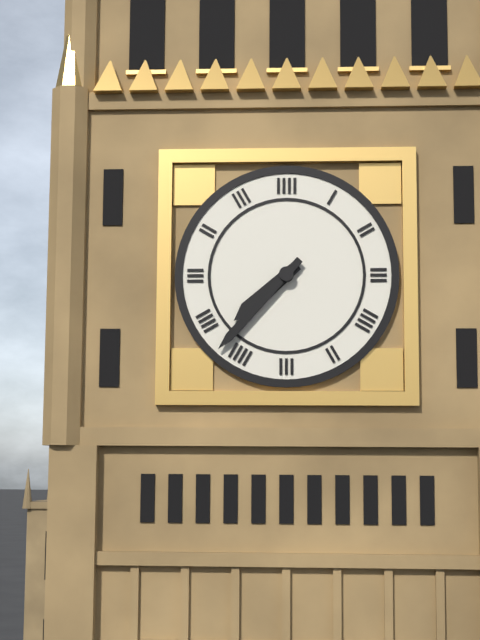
{"hour": 7, "minute": 37}
